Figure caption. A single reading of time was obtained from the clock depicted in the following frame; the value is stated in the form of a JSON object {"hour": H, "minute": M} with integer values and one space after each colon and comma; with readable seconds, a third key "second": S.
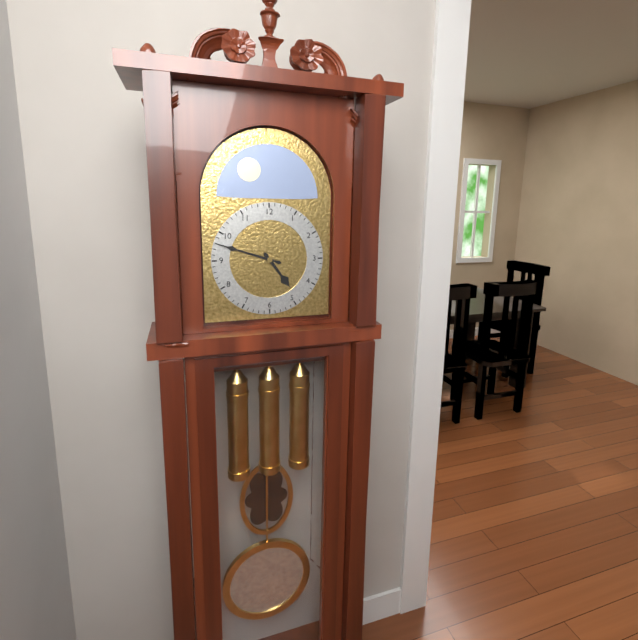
{"hour": 4, "minute": 48}
